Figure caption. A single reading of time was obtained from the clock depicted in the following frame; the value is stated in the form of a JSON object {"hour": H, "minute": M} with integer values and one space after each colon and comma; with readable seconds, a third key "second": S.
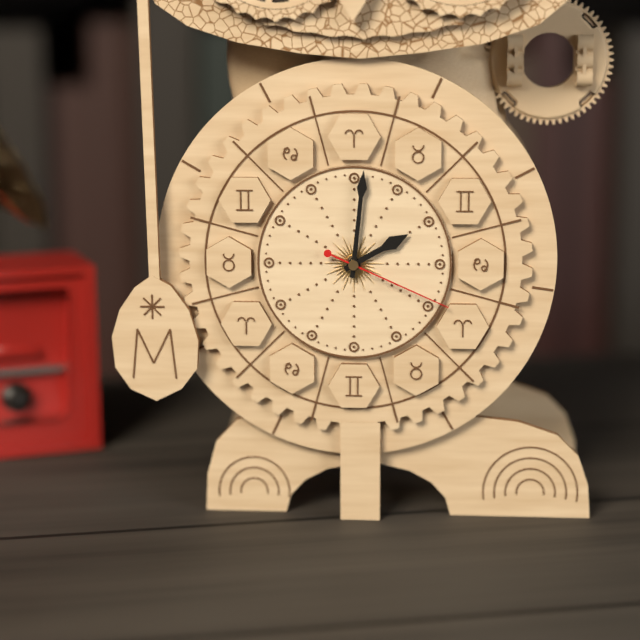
{"hour": 2, "minute": 1, "second": 19}
